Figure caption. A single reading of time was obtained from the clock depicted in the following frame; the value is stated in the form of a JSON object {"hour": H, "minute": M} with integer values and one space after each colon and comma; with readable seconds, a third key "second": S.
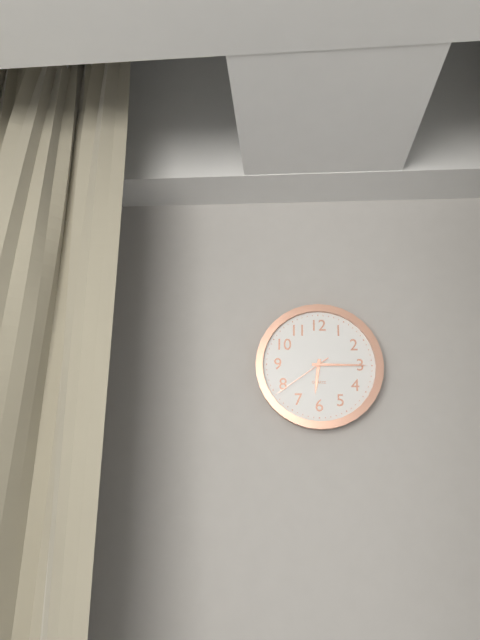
{"hour": 6, "minute": 15, "second": 39}
